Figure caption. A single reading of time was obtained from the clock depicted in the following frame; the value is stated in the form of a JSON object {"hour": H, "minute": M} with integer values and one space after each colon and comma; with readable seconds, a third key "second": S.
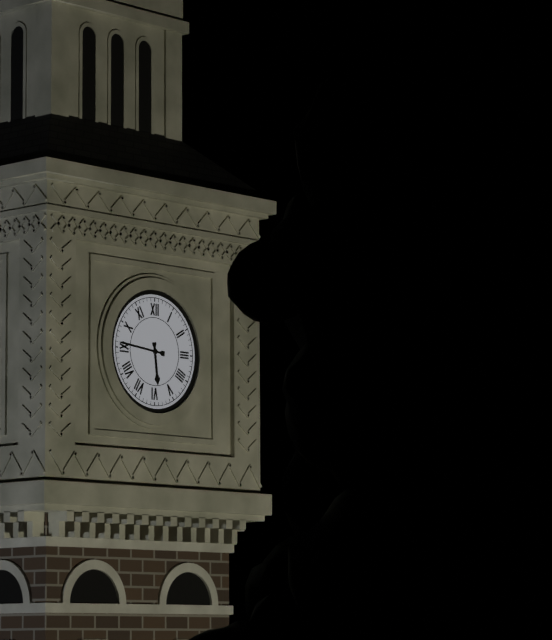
{"hour": 5, "minute": 46}
